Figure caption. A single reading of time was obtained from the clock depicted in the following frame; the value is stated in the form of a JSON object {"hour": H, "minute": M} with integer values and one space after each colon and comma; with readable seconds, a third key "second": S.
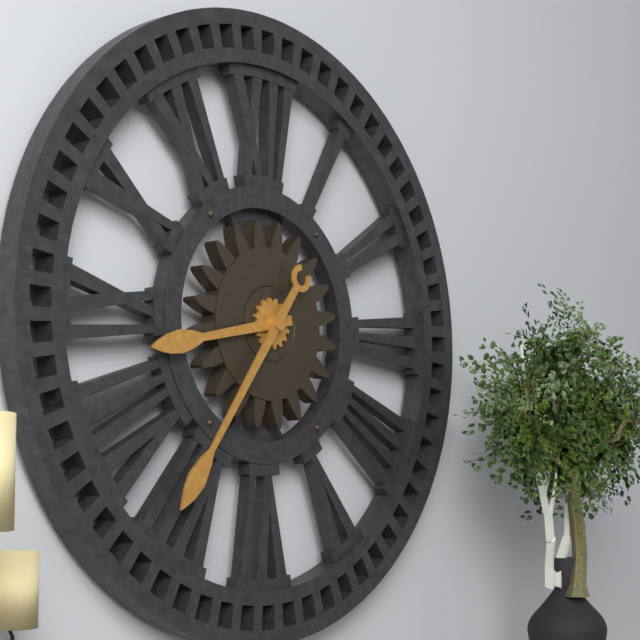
{"hour": 8, "minute": 36}
